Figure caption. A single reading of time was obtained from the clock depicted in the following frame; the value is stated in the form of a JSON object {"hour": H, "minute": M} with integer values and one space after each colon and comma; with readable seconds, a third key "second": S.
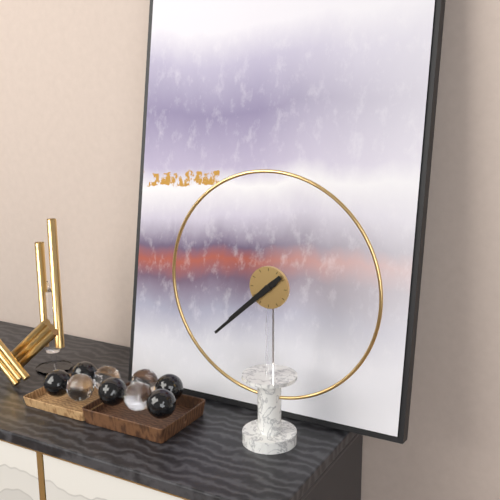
{"hour": 7, "minute": 38}
